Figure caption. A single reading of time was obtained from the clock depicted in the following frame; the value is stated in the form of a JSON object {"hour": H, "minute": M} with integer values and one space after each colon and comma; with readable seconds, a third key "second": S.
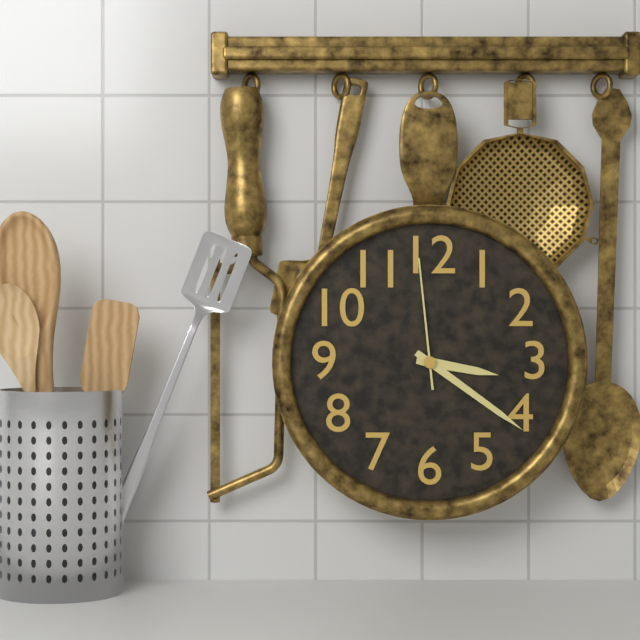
{"hour": 3, "minute": 21, "second": 59}
